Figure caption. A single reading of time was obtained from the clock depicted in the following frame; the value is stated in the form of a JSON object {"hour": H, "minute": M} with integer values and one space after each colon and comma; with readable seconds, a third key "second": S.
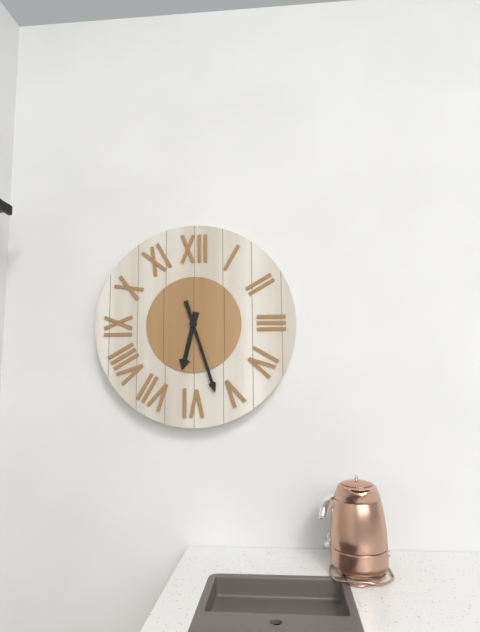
{"hour": 6, "minute": 27}
